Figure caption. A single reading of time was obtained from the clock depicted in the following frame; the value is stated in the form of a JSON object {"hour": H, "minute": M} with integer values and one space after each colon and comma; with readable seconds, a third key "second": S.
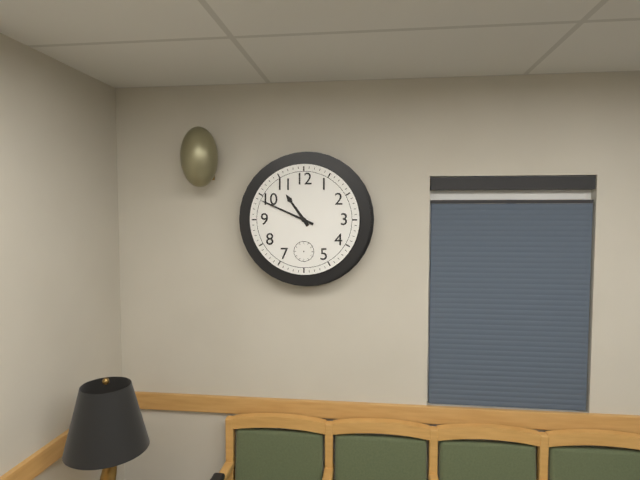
{"hour": 10, "minute": 49}
